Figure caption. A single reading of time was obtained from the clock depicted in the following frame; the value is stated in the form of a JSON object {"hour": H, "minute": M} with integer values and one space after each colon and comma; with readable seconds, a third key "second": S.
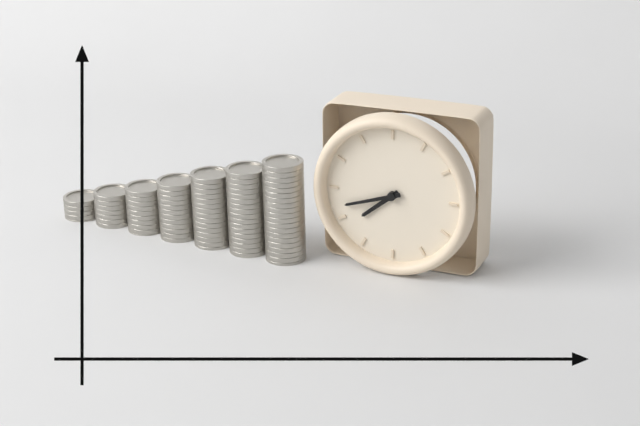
{"hour": 7, "minute": 42}
